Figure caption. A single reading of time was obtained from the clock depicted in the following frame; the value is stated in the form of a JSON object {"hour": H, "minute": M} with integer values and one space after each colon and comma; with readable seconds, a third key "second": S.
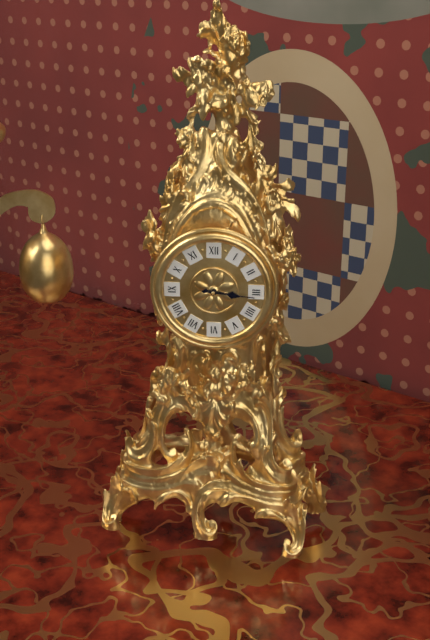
{"hour": 3, "minute": 16}
